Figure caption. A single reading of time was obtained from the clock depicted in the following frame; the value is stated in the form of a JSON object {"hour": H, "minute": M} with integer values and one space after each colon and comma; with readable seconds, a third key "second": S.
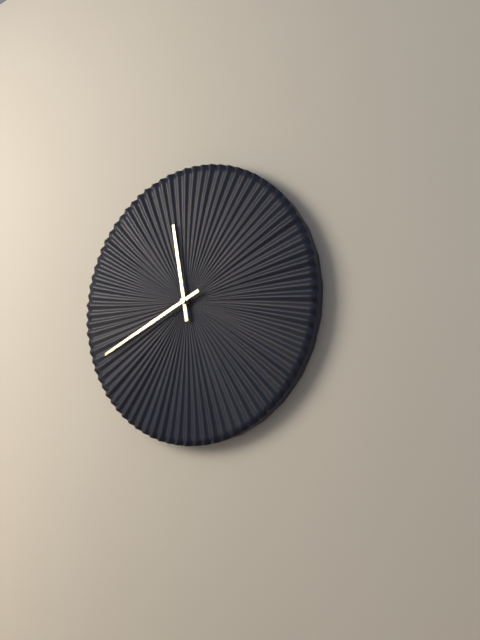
{"hour": 11, "minute": 41}
